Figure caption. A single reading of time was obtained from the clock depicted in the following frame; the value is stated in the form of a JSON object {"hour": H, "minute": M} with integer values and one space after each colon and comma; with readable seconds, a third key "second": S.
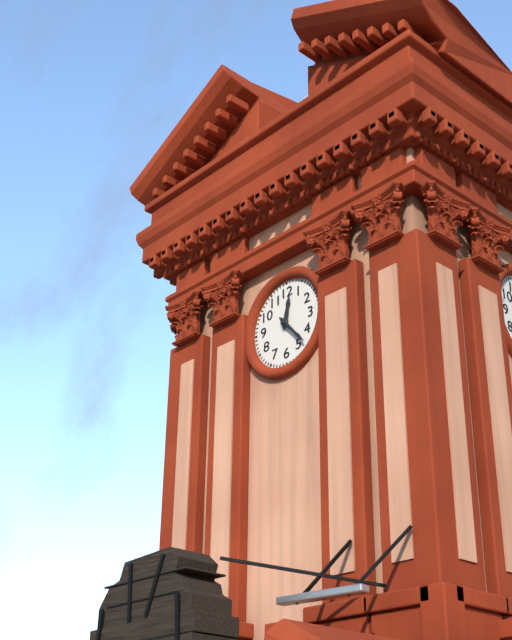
{"hour": 12, "minute": 23}
